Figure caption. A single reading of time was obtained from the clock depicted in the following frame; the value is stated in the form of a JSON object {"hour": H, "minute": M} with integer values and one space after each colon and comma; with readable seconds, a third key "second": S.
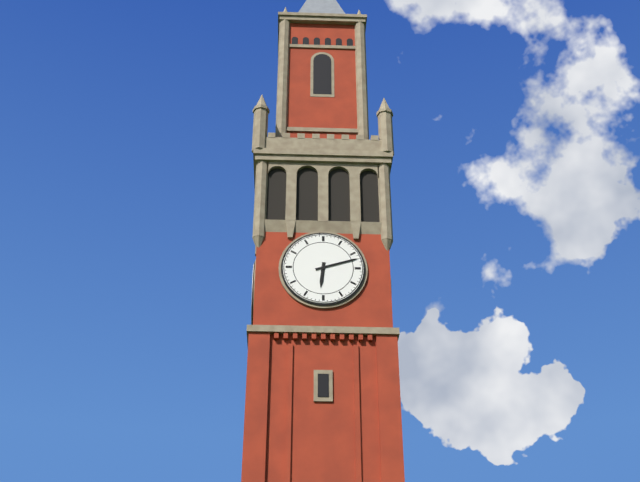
{"hour": 6, "minute": 12}
